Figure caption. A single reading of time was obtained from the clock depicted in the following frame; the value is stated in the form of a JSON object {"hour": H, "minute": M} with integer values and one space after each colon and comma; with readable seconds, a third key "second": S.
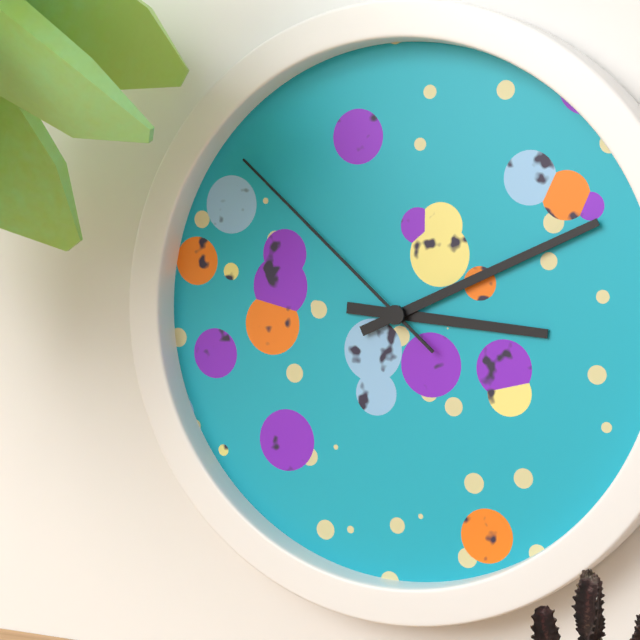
{"hour": 3, "minute": 11, "second": 52}
